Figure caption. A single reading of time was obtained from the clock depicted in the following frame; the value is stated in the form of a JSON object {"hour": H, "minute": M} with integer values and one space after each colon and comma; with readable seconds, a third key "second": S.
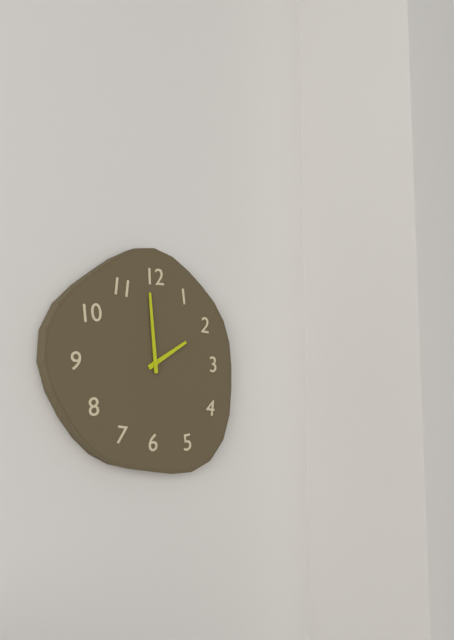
{"hour": 1, "minute": 59}
